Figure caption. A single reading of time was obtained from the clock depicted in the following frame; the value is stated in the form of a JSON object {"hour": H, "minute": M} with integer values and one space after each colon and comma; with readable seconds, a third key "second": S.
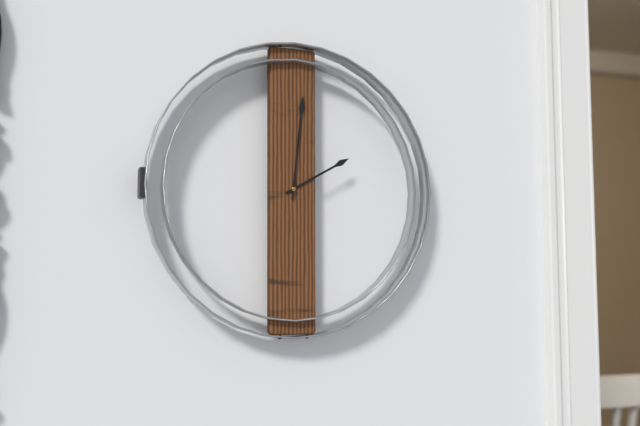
{"hour": 2, "minute": 1}
